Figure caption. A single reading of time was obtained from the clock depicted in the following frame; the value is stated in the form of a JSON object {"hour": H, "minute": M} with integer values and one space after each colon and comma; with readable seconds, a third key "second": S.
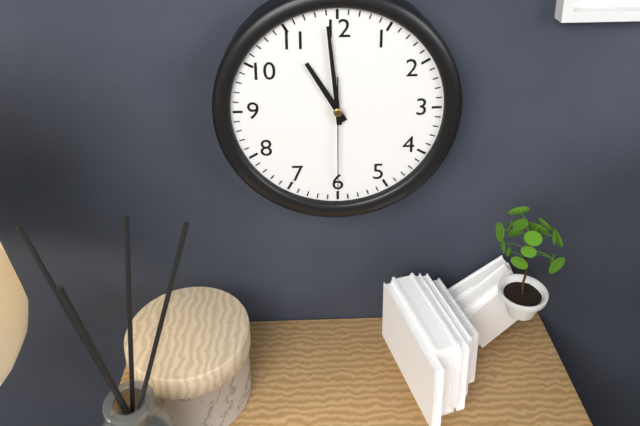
{"hour": 10, "minute": 59, "second": 30}
